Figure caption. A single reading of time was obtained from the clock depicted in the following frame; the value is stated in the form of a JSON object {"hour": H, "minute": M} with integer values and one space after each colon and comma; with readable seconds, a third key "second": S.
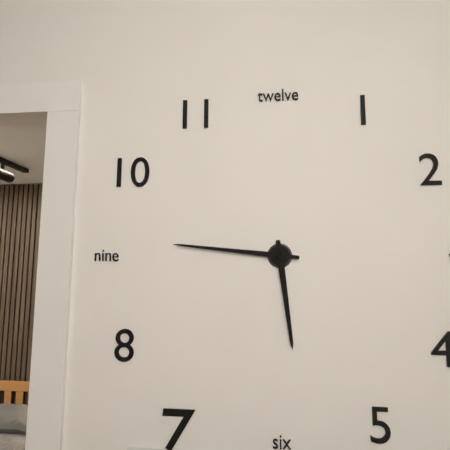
{"hour": 5, "minute": 46}
